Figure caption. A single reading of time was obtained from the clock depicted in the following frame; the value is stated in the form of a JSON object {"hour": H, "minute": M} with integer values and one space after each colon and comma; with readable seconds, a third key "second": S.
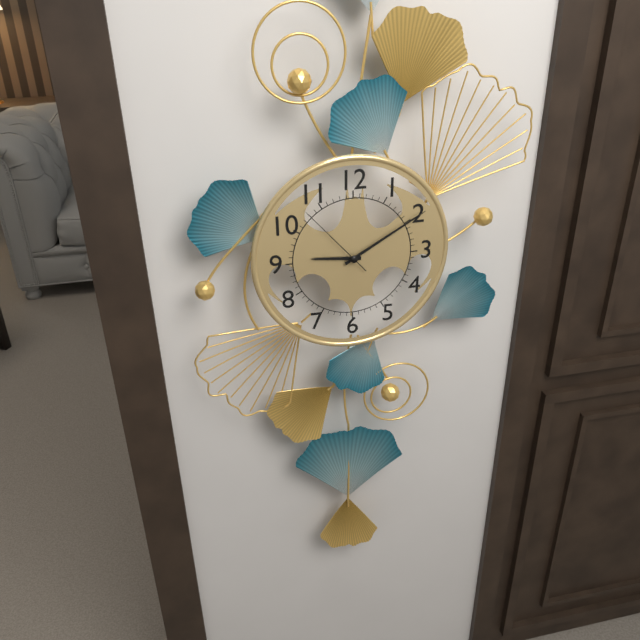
{"hour": 9, "minute": 10, "second": 53}
